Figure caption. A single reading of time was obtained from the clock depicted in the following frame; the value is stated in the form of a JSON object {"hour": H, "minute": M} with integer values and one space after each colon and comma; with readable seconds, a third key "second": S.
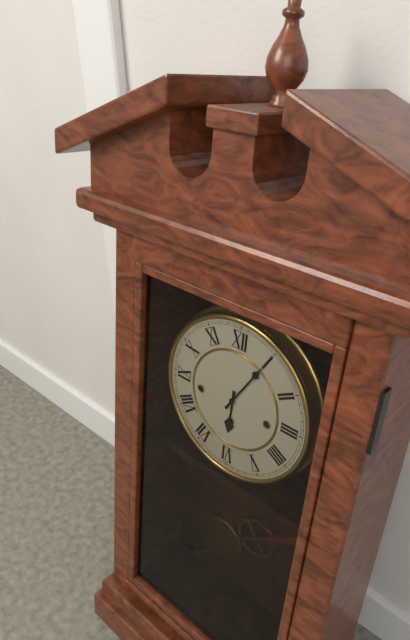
{"hour": 6, "minute": 5}
